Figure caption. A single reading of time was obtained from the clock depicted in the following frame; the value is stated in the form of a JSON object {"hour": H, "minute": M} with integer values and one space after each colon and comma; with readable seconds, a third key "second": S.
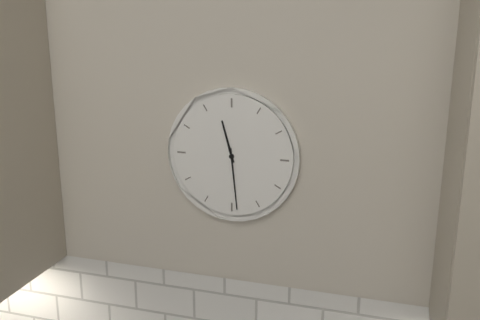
{"hour": 11, "minute": 29}
